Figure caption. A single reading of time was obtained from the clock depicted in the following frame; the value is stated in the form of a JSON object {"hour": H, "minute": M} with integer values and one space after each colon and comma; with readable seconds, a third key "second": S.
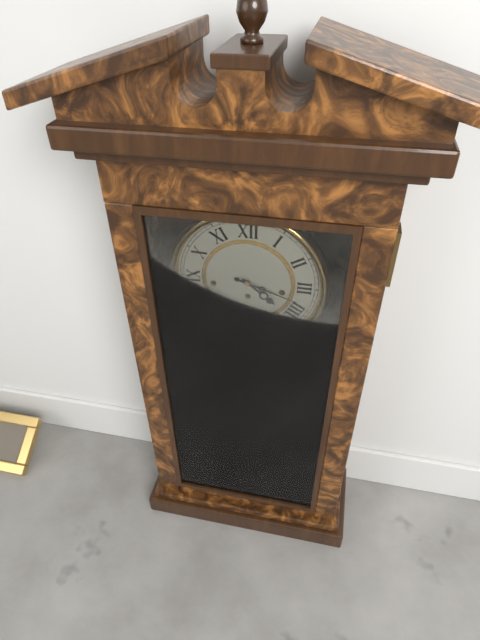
{"hour": 4, "minute": 18}
